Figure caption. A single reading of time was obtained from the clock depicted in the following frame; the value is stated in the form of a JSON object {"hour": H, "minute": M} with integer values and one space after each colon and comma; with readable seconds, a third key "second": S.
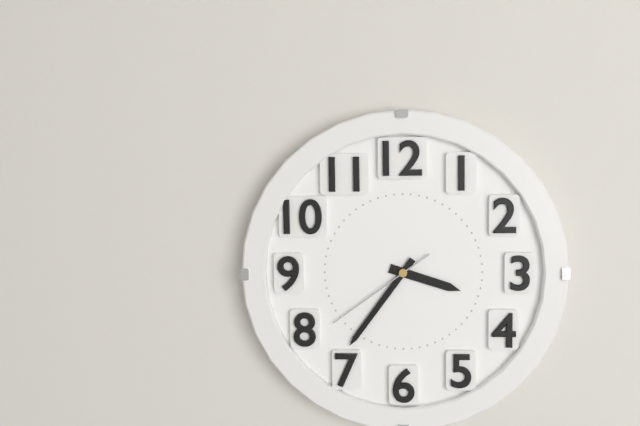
{"hour": 3, "minute": 36, "second": 39}
